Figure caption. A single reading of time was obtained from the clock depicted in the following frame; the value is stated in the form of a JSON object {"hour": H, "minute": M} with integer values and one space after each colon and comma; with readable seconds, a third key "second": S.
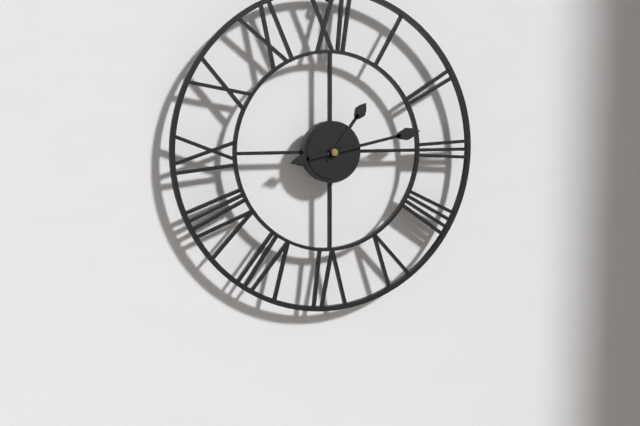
{"hour": 1, "minute": 13}
